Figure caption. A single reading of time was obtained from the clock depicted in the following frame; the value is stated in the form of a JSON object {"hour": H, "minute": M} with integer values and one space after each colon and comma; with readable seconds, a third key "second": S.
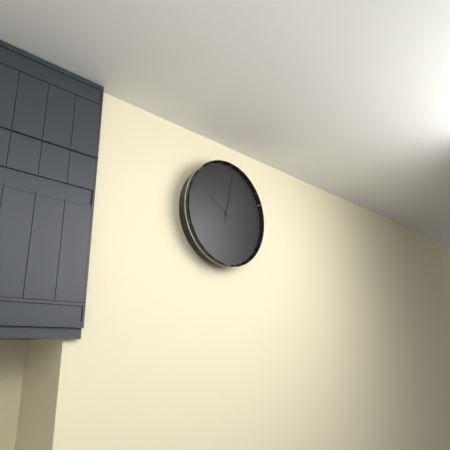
{"hour": 10, "minute": 2}
